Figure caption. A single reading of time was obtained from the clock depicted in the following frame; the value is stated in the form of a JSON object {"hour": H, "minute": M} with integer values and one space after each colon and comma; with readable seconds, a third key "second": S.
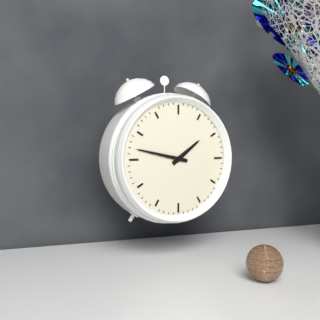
{"hour": 1, "minute": 47}
